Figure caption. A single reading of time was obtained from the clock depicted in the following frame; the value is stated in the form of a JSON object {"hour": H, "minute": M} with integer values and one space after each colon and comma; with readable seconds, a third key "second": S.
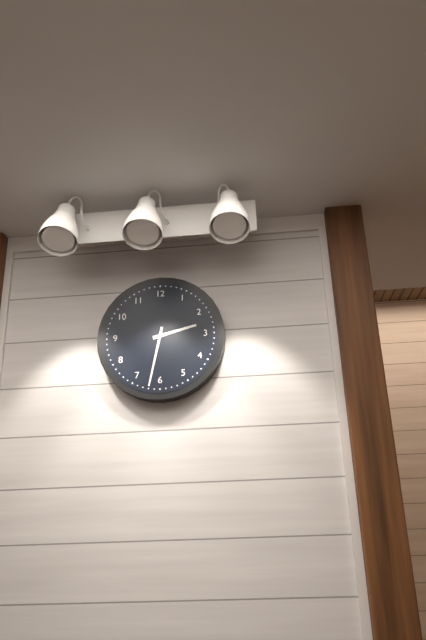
{"hour": 2, "minute": 32}
